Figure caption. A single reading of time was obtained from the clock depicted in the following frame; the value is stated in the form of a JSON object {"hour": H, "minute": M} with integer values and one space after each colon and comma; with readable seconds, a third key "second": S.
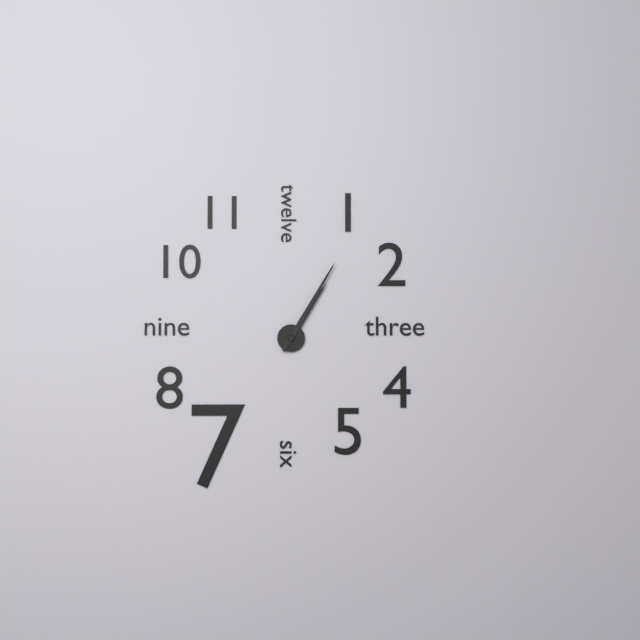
{"hour": 1, "minute": 5}
